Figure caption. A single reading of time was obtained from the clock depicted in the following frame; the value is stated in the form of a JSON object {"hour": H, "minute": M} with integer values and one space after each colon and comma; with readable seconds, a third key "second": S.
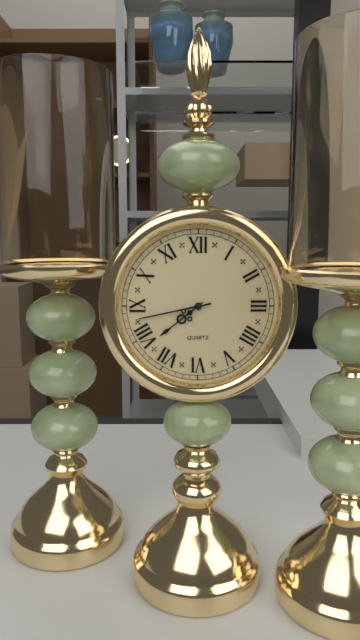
{"hour": 7, "minute": 43}
